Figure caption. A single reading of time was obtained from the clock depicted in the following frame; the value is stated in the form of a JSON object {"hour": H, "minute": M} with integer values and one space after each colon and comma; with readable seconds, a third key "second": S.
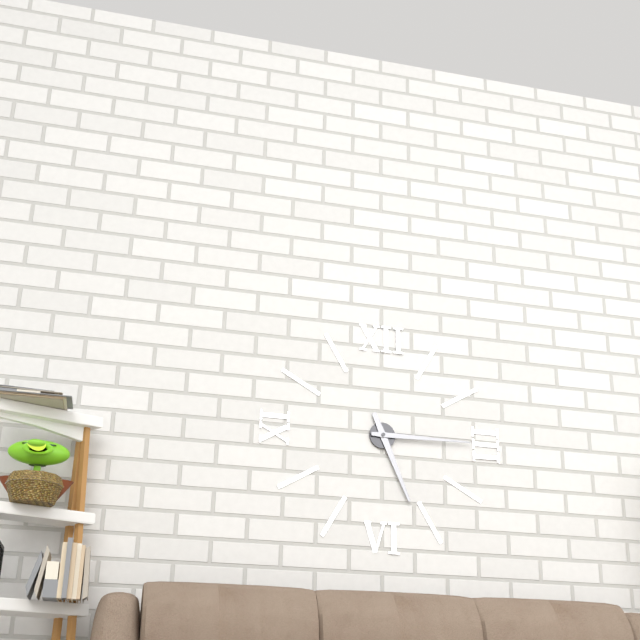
{"hour": 5, "minute": 15}
